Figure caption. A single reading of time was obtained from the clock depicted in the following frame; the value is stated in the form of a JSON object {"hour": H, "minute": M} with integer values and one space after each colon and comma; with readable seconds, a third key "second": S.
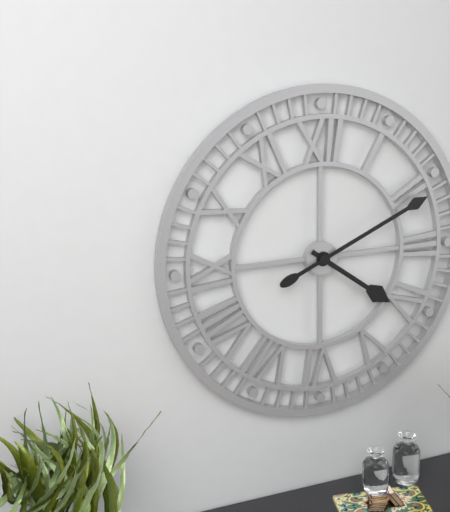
{"hour": 4, "minute": 11}
